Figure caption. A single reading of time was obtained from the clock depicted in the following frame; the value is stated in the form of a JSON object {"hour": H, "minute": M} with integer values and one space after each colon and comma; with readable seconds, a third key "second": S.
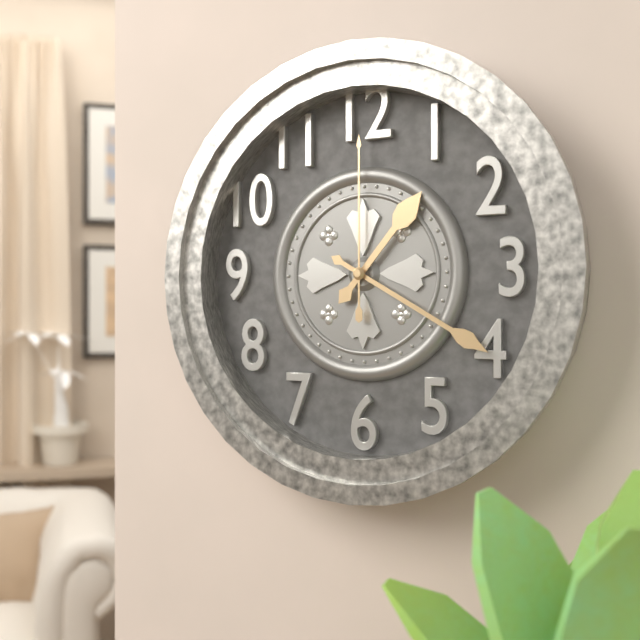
{"hour": 1, "minute": 20, "second": 0}
